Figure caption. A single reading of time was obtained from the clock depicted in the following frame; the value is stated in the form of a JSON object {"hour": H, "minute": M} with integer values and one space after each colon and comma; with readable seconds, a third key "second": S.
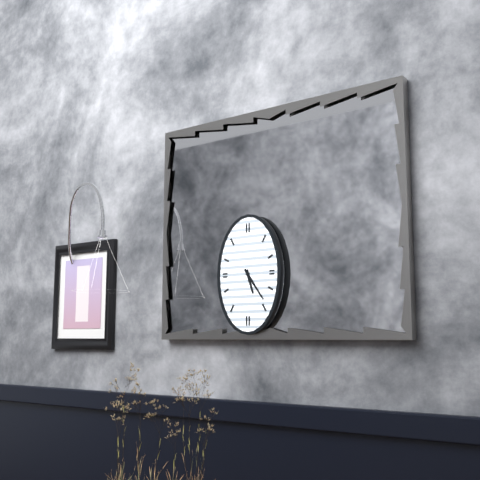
{"hour": 5, "minute": 24}
